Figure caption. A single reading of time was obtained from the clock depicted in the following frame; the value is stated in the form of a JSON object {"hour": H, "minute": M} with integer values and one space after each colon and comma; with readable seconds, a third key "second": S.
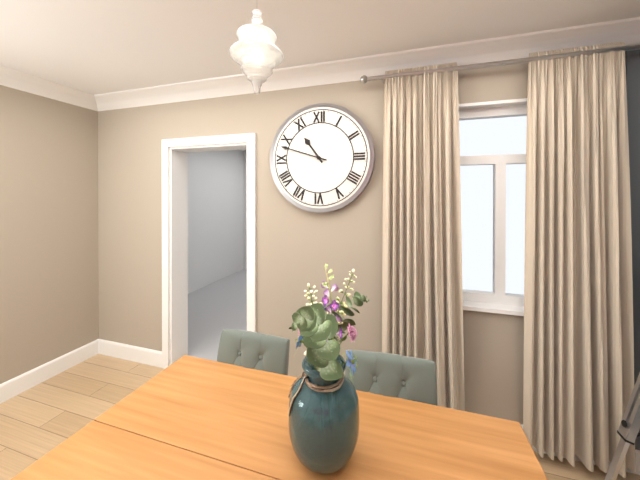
{"hour": 10, "minute": 48}
